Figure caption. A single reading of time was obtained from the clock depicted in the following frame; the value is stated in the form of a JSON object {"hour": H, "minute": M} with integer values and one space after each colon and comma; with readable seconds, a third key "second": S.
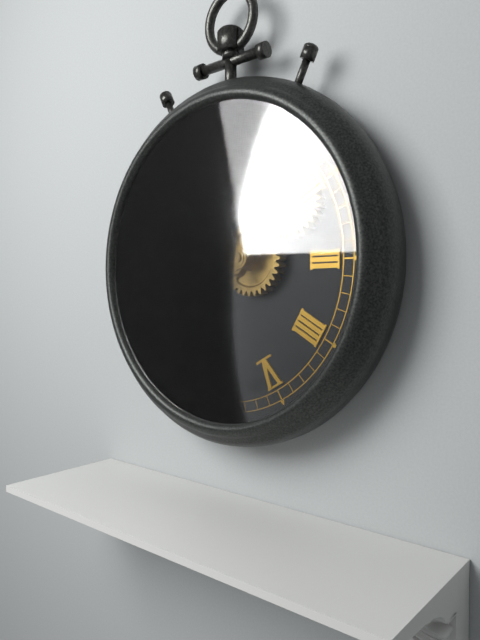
{"hour": 10, "minute": 52, "second": 31}
